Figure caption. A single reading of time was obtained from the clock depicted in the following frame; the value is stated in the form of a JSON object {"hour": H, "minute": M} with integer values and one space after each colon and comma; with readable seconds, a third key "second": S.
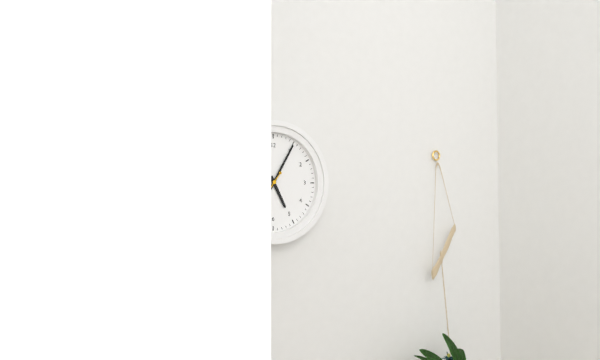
{"hour": 5, "minute": 5}
